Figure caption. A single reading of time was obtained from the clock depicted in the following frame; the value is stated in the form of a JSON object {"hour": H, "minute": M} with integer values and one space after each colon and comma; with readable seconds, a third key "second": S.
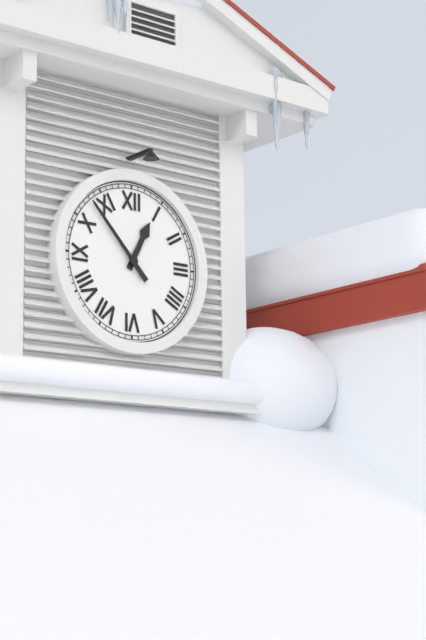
{"hour": 12, "minute": 53}
